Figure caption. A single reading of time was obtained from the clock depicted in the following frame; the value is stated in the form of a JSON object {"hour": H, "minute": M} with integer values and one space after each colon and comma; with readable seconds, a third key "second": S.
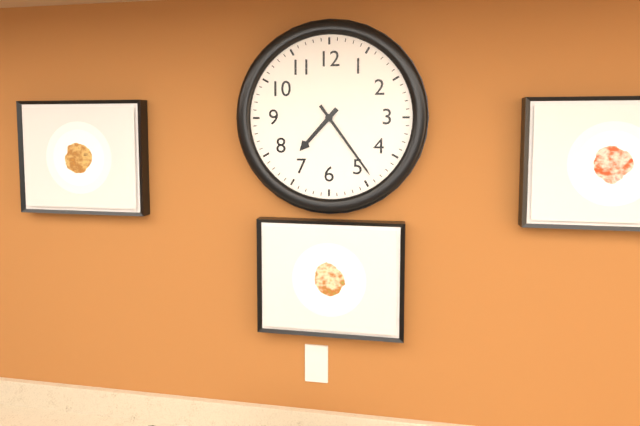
{"hour": 7, "minute": 24}
